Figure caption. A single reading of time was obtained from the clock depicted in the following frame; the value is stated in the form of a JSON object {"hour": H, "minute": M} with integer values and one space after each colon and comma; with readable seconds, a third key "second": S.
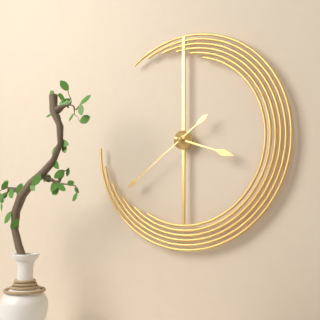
{"hour": 3, "minute": 39}
